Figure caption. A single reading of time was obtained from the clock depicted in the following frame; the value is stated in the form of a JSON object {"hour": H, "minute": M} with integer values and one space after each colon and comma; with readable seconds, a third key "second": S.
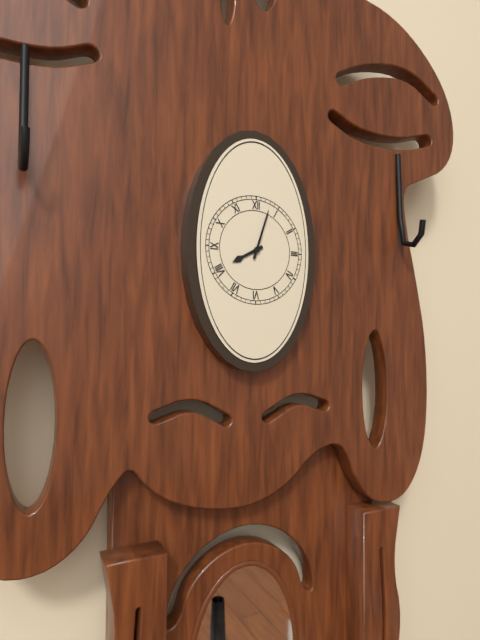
{"hour": 8, "minute": 3}
